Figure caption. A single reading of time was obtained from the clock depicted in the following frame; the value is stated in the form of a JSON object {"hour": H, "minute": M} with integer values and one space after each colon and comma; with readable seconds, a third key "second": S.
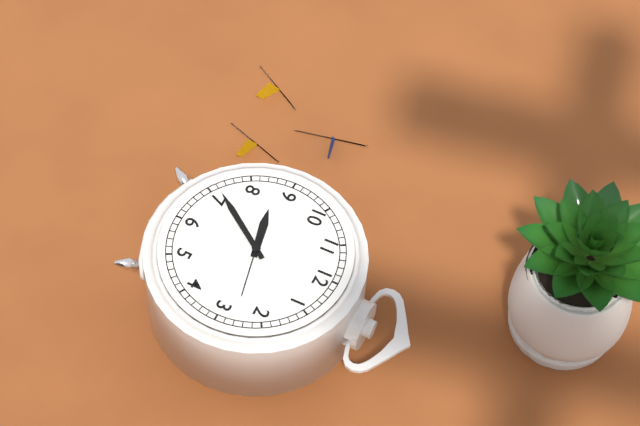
{"hour": 8, "minute": 36, "second": 13}
